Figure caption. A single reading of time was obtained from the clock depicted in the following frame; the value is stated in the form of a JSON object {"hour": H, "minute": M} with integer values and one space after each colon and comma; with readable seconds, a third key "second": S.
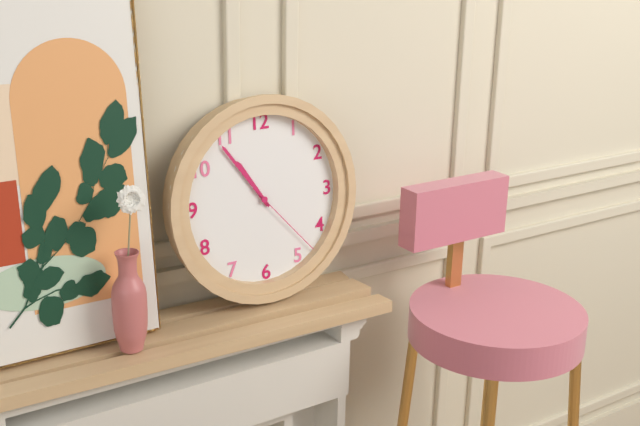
{"hour": 10, "minute": 54, "second": 23}
